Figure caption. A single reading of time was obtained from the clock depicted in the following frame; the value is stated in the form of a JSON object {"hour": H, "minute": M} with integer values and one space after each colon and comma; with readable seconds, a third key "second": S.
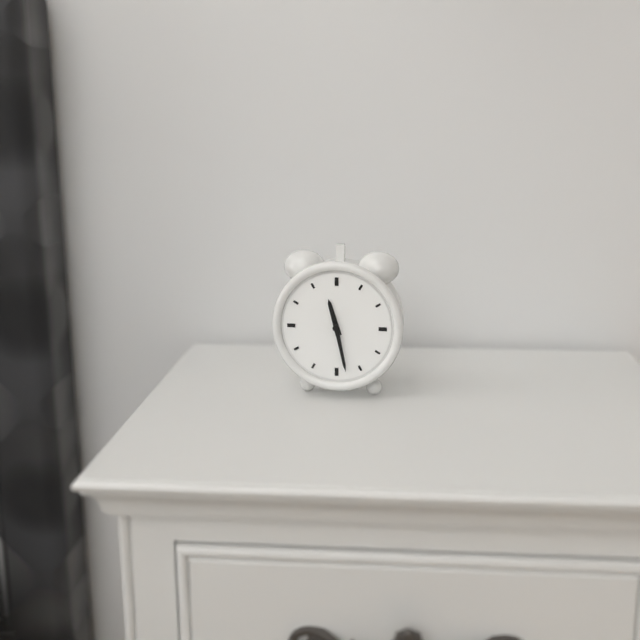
{"hour": 11, "minute": 28}
